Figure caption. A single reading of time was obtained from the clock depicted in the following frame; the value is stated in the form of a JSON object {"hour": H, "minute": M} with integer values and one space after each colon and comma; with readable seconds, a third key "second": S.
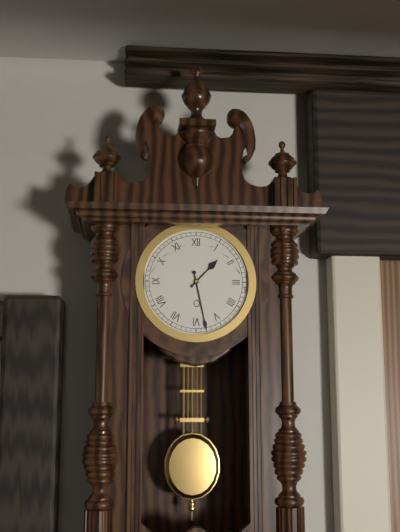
{"hour": 1, "minute": 28}
